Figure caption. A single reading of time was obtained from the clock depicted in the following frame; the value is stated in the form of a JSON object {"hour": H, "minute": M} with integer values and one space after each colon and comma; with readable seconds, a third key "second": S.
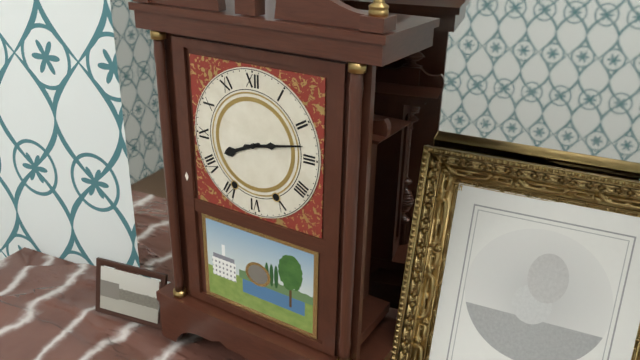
{"hour": 8, "minute": 13}
